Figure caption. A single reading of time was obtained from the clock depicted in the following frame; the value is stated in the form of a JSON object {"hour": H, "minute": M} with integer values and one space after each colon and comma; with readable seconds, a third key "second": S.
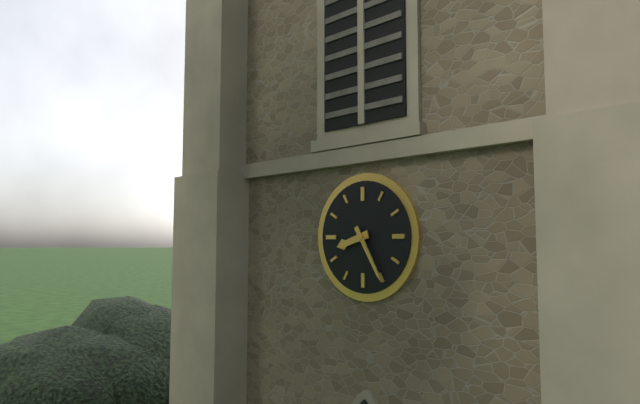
{"hour": 8, "minute": 25}
